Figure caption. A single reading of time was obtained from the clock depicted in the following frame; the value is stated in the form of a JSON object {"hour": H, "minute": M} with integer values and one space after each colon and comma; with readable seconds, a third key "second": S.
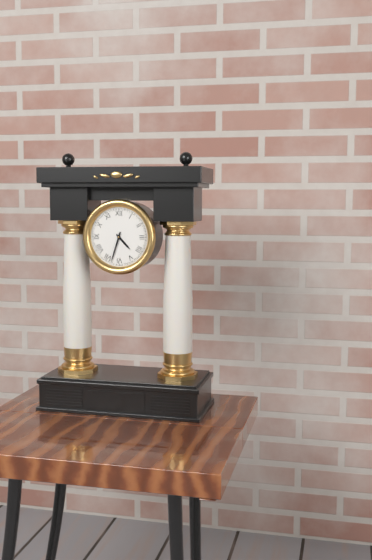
{"hour": 4, "minute": 33}
